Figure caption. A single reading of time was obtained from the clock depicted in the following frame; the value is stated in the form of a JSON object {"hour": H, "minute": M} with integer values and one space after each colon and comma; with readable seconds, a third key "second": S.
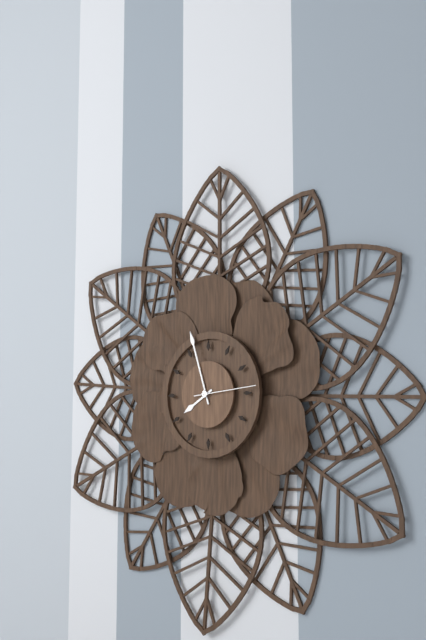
{"hour": 7, "minute": 57, "second": 14}
